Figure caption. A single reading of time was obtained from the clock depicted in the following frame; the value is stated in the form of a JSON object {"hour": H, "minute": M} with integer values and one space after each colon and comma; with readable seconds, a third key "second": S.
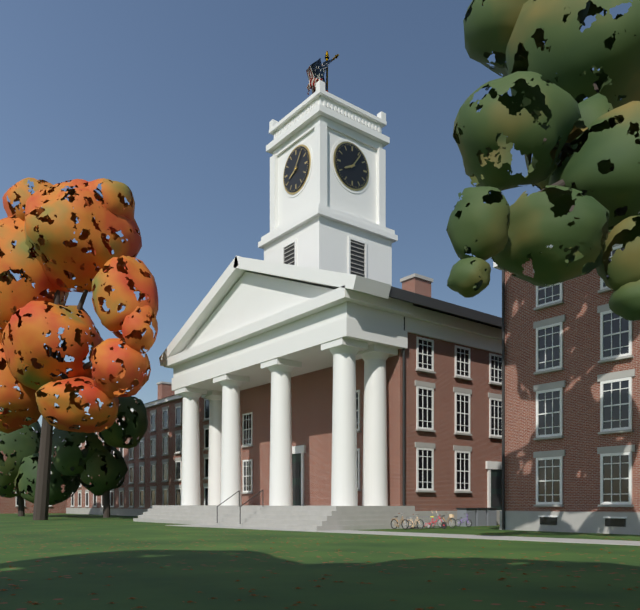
{"hour": 8, "minute": 6}
